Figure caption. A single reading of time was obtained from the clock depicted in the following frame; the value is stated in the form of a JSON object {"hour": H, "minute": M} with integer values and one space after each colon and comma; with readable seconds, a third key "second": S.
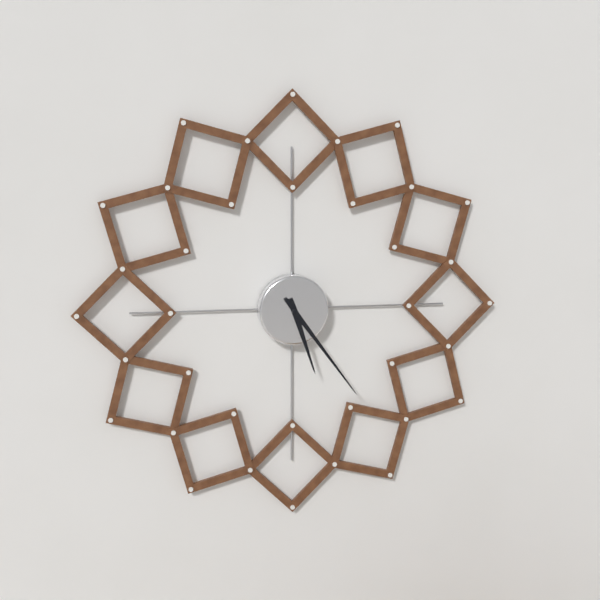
{"hour": 5, "minute": 24}
